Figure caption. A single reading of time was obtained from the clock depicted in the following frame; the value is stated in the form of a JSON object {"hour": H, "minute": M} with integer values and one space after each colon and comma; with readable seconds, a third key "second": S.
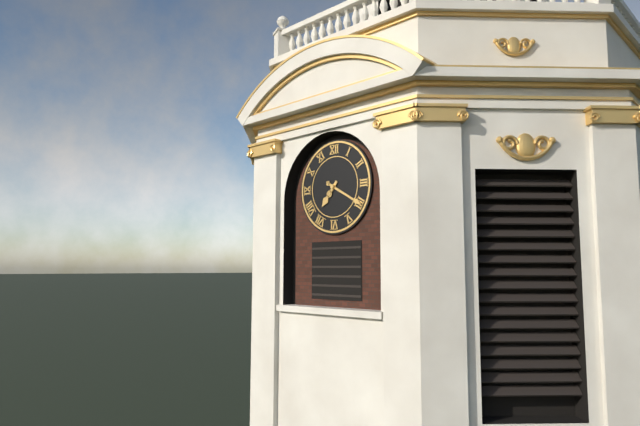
{"hour": 7, "minute": 20}
